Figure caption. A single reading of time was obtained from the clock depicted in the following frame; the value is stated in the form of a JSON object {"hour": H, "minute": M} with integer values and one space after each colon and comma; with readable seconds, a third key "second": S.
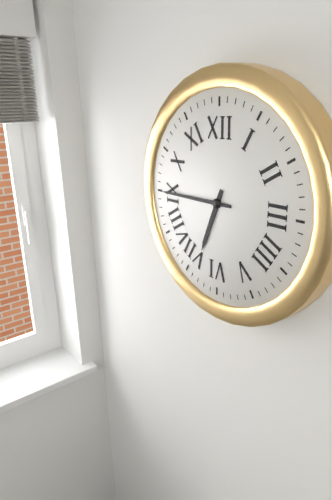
{"hour": 6, "minute": 45}
